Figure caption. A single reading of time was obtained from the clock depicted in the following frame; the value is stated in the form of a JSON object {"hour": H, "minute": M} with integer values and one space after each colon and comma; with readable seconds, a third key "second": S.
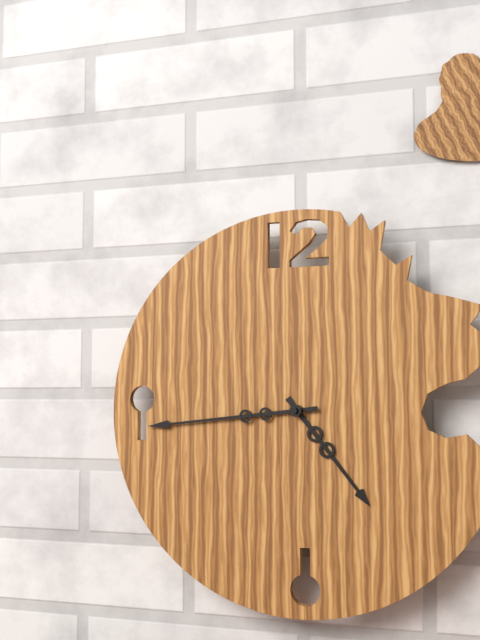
{"hour": 4, "minute": 44}
